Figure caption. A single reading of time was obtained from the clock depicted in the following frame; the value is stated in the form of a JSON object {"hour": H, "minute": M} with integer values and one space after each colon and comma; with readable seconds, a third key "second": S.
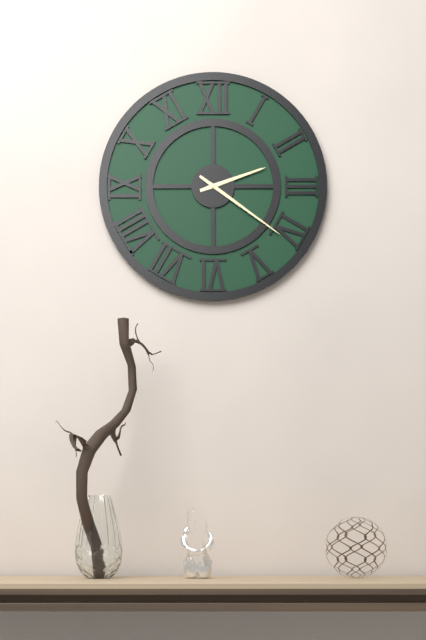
{"hour": 2, "minute": 21}
